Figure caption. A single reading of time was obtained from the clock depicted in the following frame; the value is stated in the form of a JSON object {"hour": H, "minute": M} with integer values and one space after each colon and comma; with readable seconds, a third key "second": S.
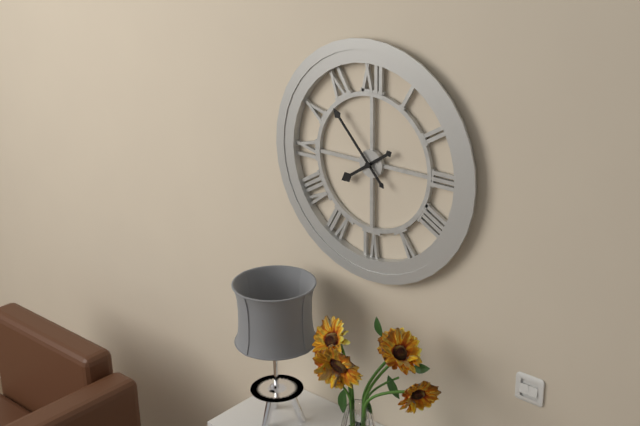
{"hour": 7, "minute": 53}
